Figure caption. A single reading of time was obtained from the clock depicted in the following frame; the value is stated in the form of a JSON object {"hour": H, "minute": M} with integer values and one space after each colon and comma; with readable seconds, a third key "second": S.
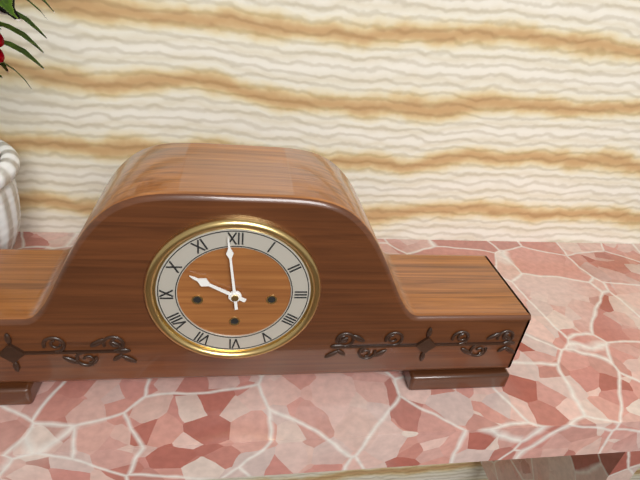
{"hour": 9, "minute": 59}
